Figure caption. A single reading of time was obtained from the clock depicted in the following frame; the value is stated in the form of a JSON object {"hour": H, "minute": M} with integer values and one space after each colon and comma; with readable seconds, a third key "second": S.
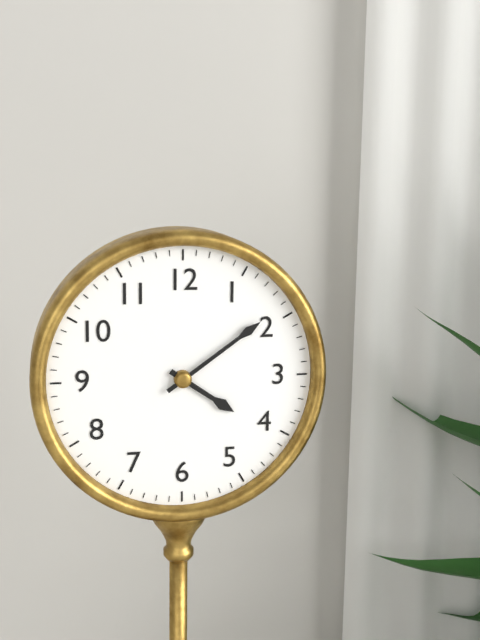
{"hour": 4, "minute": 9}
